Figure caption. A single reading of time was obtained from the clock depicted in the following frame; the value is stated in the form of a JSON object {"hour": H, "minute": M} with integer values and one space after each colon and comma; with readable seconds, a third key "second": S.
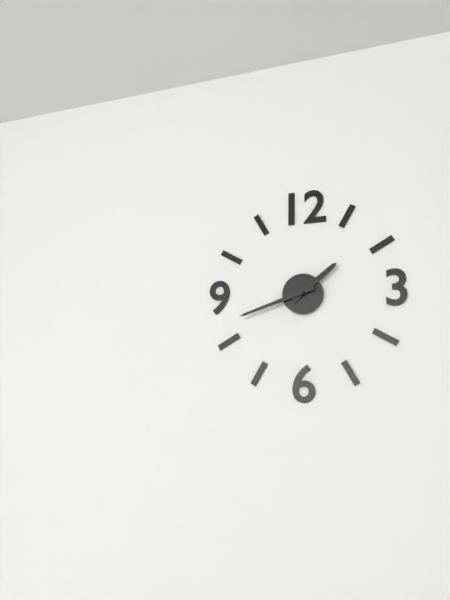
{"hour": 1, "minute": 42}
